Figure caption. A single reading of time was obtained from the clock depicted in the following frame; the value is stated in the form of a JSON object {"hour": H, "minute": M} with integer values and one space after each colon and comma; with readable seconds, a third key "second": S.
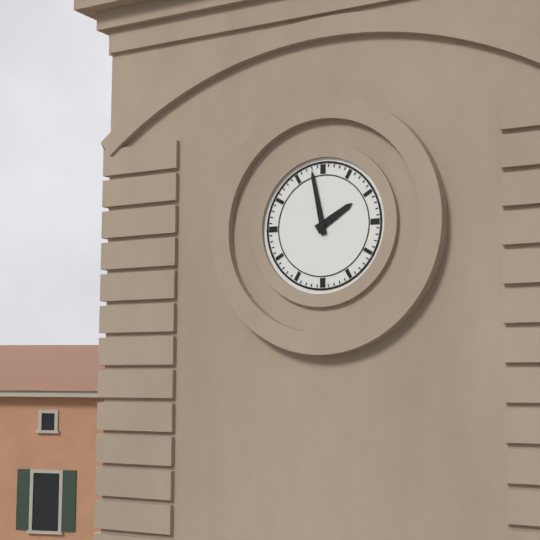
{"hour": 1, "minute": 58}
